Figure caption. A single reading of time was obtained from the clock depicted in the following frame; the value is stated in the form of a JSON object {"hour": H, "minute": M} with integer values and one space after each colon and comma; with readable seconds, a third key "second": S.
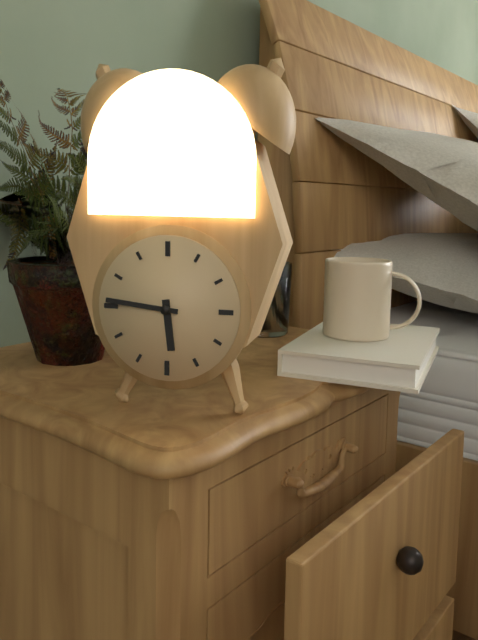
{"hour": 5, "minute": 46}
